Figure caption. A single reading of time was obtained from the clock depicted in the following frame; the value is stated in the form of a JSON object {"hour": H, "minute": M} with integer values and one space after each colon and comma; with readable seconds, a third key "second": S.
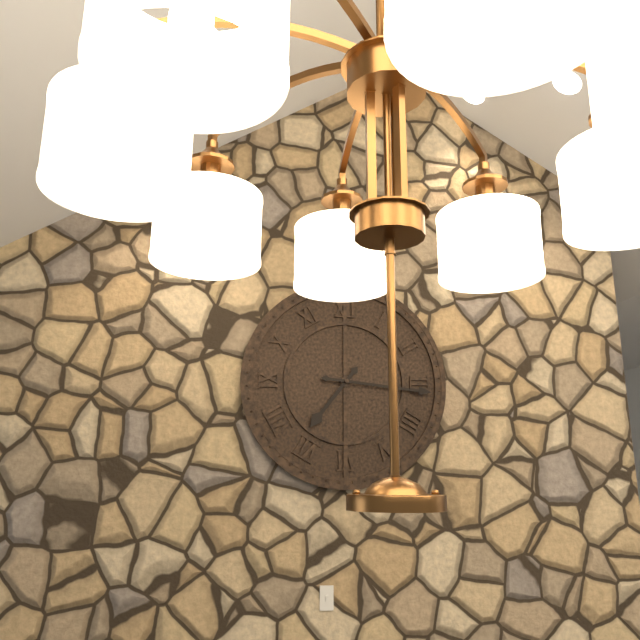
{"hour": 7, "minute": 16}
